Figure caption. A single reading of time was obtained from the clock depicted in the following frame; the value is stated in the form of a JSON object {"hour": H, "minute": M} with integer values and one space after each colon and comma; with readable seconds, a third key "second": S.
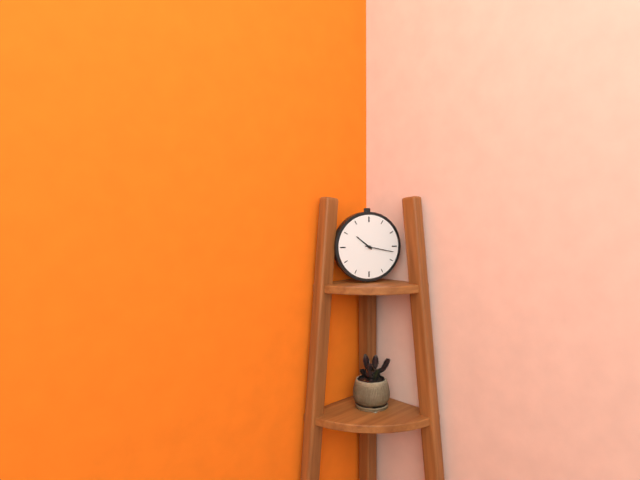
{"hour": 10, "minute": 17}
